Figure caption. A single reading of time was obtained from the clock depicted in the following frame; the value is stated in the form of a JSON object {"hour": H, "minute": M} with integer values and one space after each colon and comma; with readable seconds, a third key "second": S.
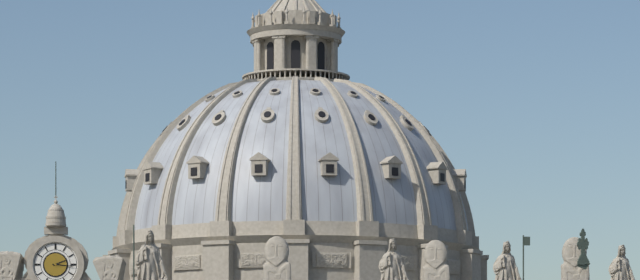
{"hour": 2, "minute": 16}
